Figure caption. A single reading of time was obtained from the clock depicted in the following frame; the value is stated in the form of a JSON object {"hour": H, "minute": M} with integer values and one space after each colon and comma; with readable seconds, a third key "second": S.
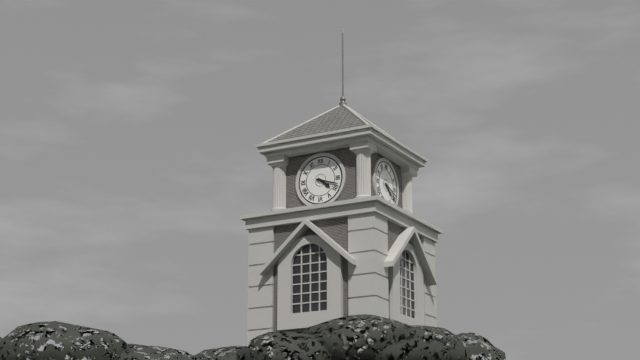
{"hour": 4, "minute": 18}
